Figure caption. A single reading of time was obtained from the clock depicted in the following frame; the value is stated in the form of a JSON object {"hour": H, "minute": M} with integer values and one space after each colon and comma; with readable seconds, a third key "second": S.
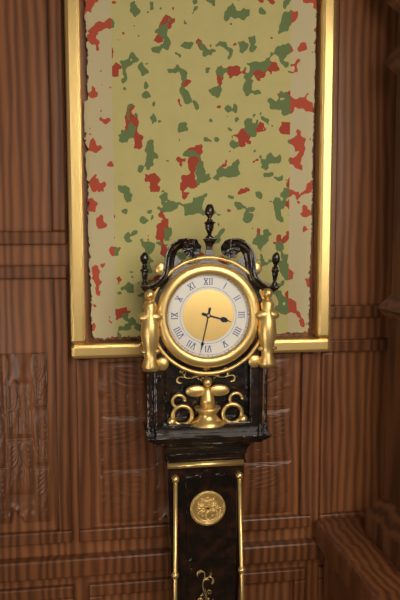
{"hour": 3, "minute": 32}
